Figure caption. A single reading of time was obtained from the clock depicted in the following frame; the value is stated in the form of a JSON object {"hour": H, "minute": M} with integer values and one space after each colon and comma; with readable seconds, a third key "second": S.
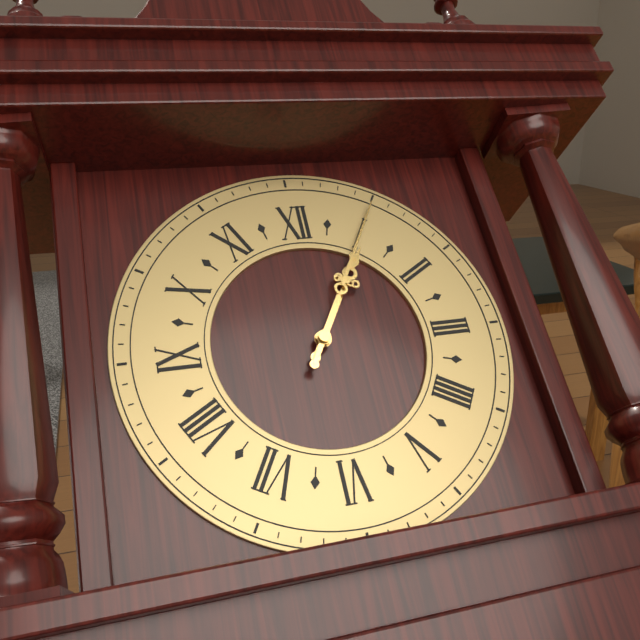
{"hour": 1, "minute": 5}
